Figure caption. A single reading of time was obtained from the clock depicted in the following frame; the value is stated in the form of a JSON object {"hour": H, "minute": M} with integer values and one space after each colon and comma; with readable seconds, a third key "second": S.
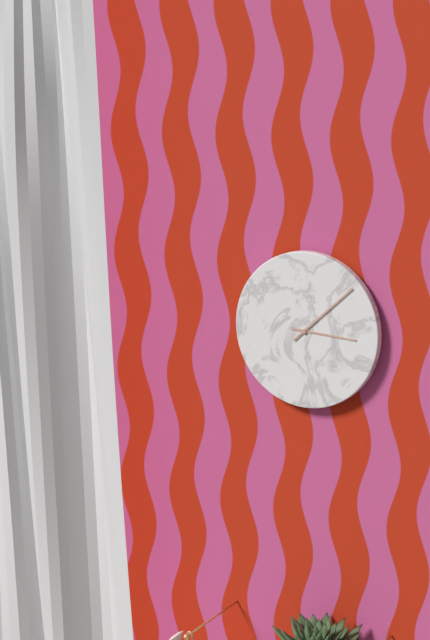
{"hour": 3, "minute": 8}
